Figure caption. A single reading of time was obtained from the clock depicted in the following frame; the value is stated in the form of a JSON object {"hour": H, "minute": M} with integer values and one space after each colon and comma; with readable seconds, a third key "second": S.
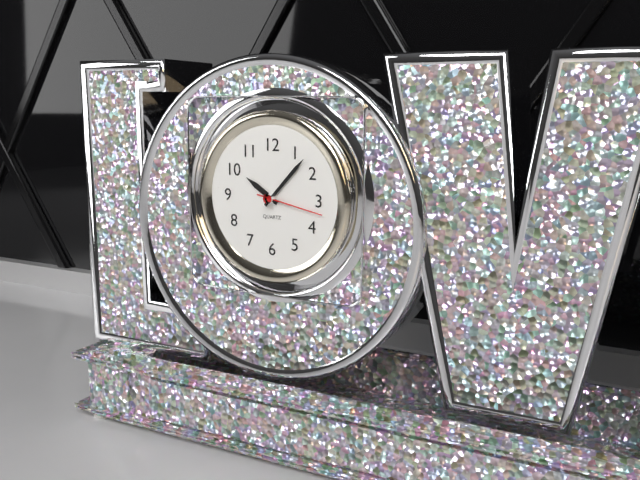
{"hour": 10, "minute": 7, "second": 17}
